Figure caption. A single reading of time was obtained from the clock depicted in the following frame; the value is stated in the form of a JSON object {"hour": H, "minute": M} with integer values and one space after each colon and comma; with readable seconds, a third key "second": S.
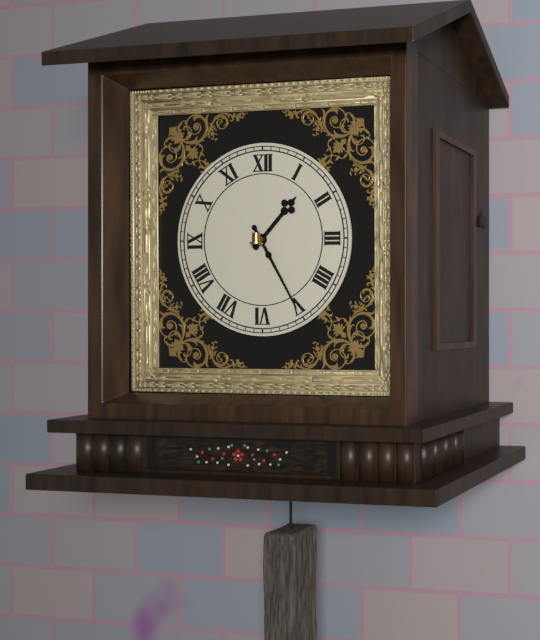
{"hour": 1, "minute": 25}
